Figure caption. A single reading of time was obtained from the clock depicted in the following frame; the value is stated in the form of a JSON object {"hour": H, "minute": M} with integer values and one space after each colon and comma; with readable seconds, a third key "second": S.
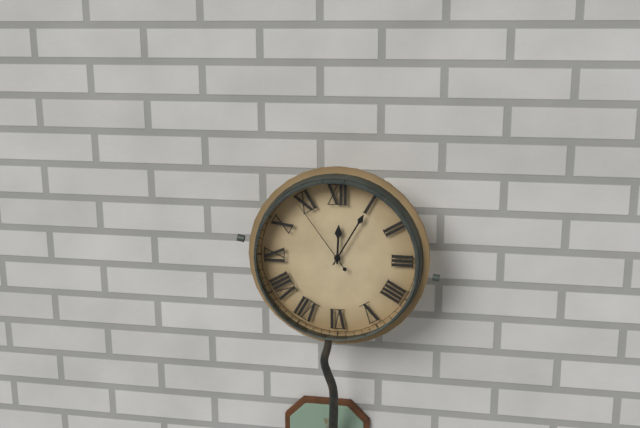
{"hour": 12, "minute": 5, "second": 54}
